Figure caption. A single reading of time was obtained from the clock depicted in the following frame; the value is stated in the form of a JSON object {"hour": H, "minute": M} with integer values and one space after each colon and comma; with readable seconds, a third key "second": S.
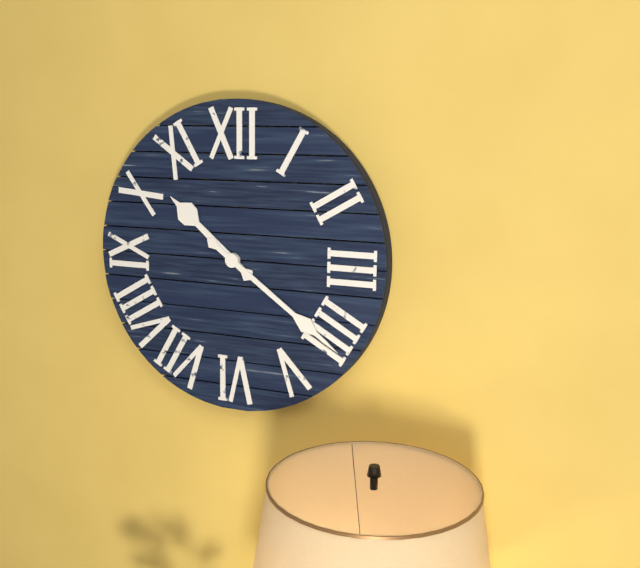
{"hour": 10, "minute": 21}
